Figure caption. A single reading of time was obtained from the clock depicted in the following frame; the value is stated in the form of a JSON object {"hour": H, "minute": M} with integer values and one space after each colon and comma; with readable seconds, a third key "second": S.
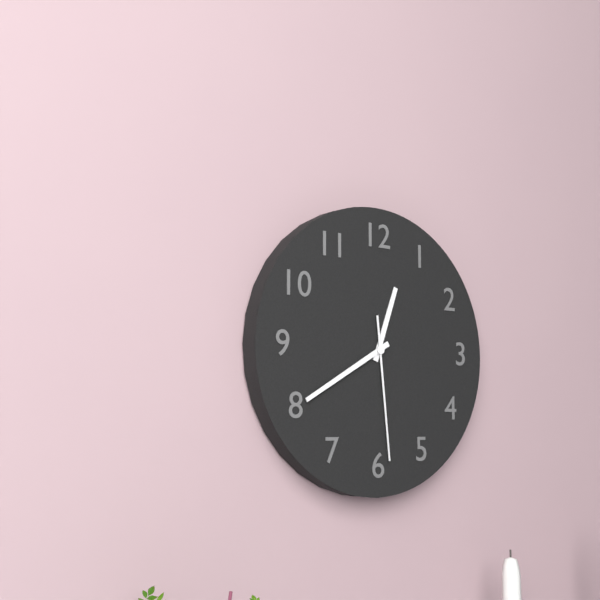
{"hour": 12, "minute": 40, "second": 29}
